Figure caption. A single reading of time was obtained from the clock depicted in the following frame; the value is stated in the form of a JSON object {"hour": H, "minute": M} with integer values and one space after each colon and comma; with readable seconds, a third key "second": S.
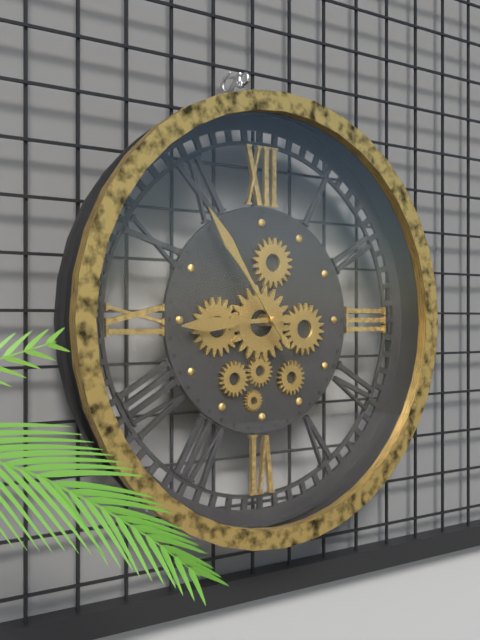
{"hour": 8, "minute": 54}
